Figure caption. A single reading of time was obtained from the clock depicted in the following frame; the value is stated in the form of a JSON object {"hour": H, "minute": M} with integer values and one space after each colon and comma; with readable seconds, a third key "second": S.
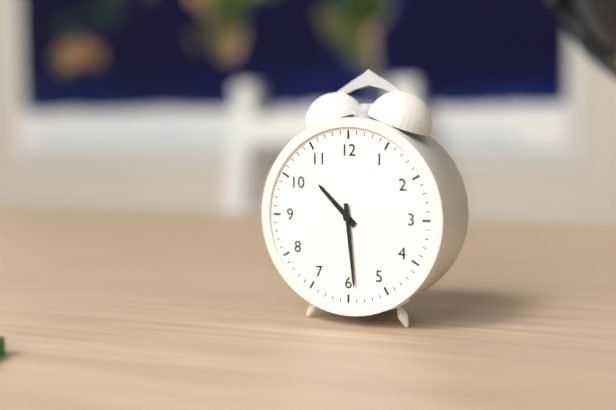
{"hour": 10, "minute": 29}
